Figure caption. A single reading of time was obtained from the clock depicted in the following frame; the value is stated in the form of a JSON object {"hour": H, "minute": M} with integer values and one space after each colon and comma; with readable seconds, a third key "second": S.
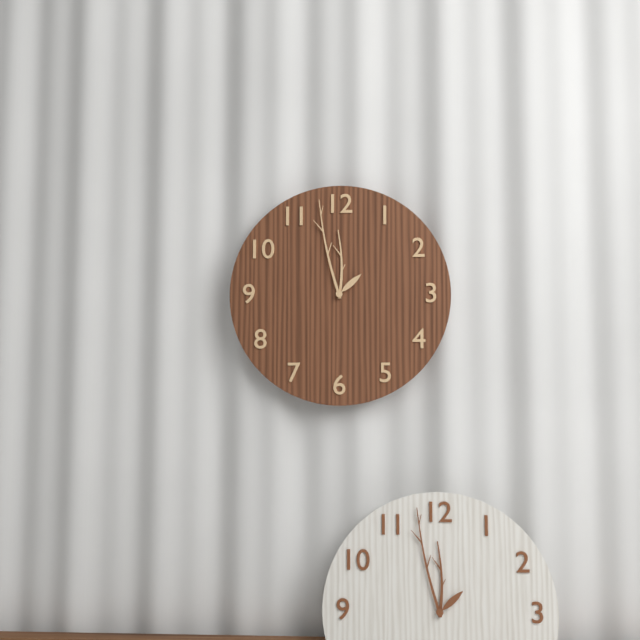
{"hour": 11, "minute": 58}
